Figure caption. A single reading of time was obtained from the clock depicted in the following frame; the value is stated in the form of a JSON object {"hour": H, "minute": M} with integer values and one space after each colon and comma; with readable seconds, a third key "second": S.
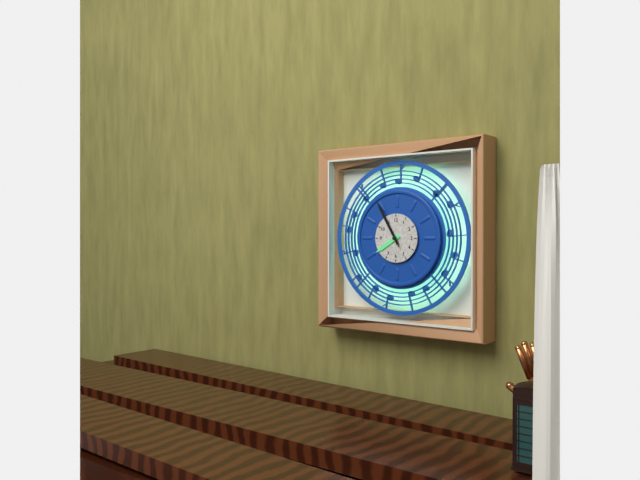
{"hour": 7, "minute": 55}
